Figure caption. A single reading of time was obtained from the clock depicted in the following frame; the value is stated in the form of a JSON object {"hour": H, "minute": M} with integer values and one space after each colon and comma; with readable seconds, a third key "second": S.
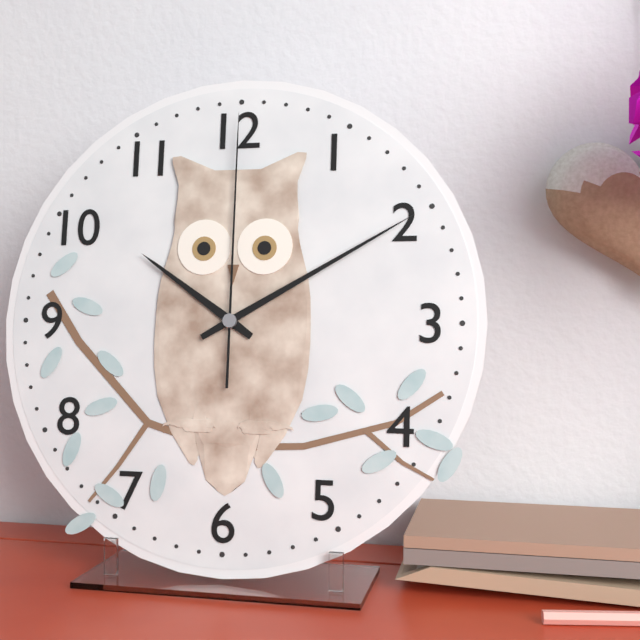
{"hour": 10, "minute": 10, "second": 0}
